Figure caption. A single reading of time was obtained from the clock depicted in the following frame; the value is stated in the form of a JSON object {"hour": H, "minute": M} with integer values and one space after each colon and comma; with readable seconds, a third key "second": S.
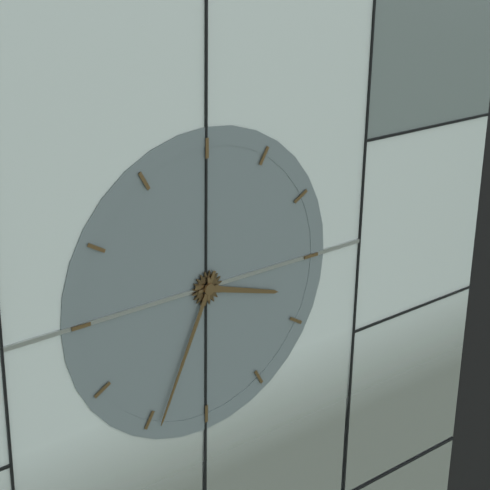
{"hour": 3, "minute": 34}
